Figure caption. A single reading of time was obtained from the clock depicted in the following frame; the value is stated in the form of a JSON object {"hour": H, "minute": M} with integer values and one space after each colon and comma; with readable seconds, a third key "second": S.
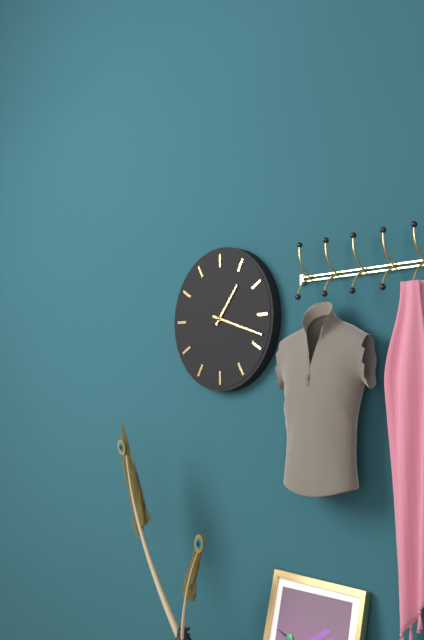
{"hour": 1, "minute": 18}
